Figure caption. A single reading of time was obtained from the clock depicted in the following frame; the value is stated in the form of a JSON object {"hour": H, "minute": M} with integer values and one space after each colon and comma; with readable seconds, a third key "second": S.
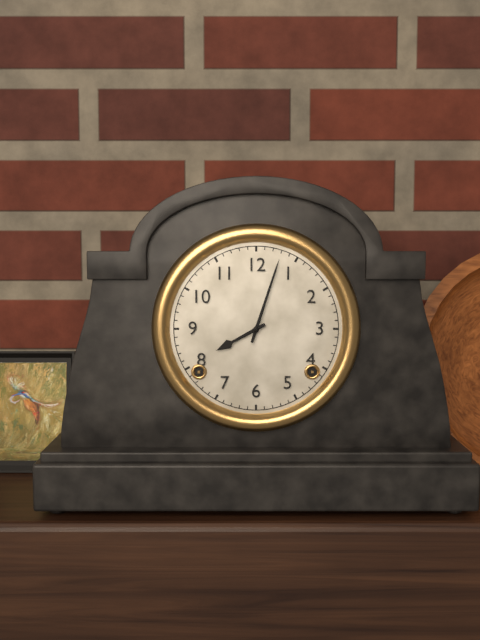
{"hour": 8, "minute": 3}
